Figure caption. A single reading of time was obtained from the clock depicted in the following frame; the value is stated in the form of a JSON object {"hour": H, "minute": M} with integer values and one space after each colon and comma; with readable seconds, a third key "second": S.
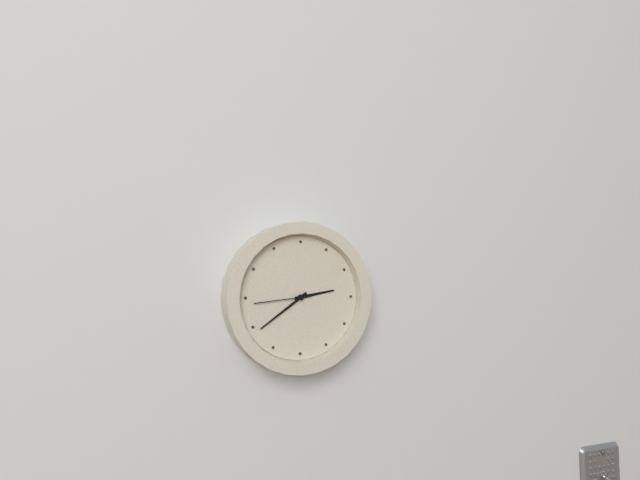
{"hour": 2, "minute": 39, "second": 44}
